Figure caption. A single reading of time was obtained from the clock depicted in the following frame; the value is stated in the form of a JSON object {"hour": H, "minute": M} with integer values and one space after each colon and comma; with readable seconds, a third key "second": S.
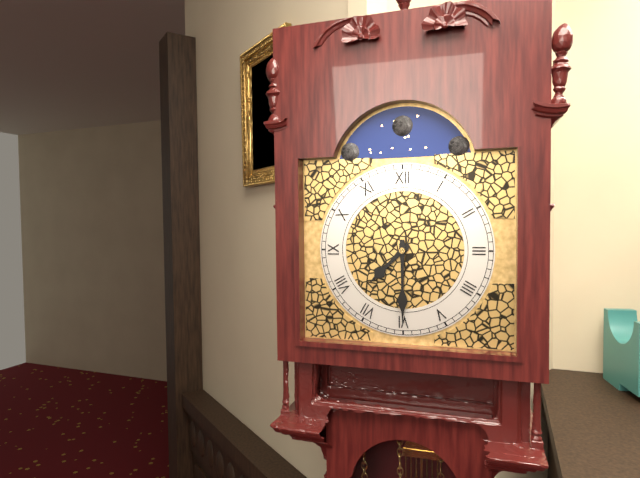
{"hour": 7, "minute": 30}
